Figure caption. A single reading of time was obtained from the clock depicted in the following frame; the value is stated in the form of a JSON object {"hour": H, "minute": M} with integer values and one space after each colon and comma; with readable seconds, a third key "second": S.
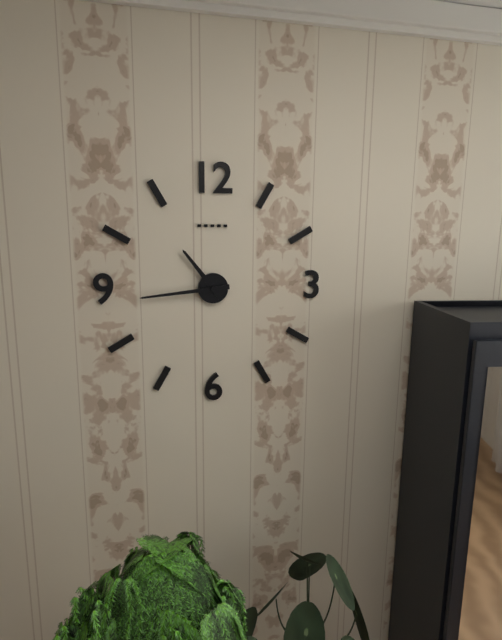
{"hour": 10, "minute": 44}
